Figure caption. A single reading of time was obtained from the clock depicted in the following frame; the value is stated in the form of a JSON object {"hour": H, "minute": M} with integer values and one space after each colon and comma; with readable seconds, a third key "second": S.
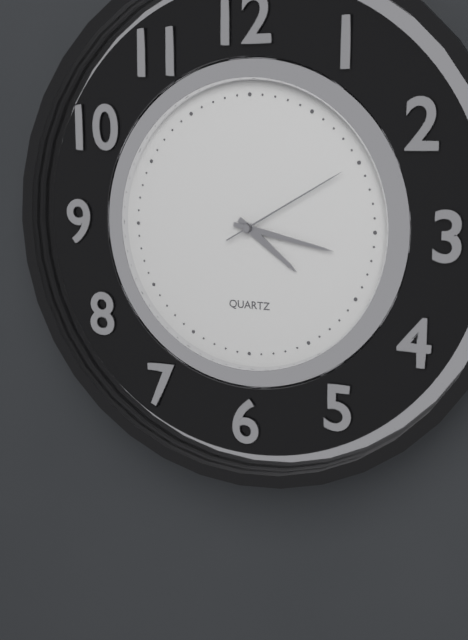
{"hour": 4, "minute": 17, "second": 10}
